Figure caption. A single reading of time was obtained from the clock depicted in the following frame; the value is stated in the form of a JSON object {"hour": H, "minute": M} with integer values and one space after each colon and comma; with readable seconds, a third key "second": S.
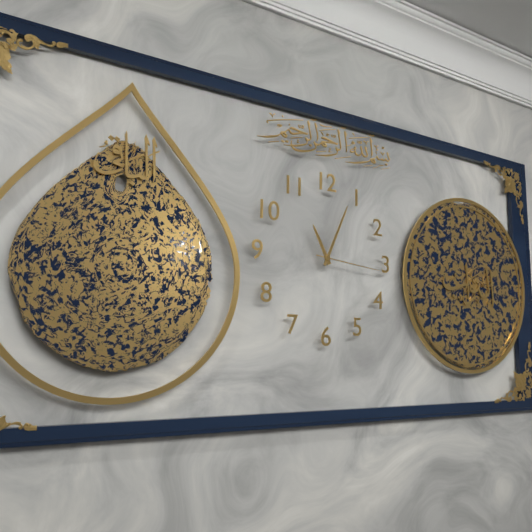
{"hour": 11, "minute": 4, "second": 16}
